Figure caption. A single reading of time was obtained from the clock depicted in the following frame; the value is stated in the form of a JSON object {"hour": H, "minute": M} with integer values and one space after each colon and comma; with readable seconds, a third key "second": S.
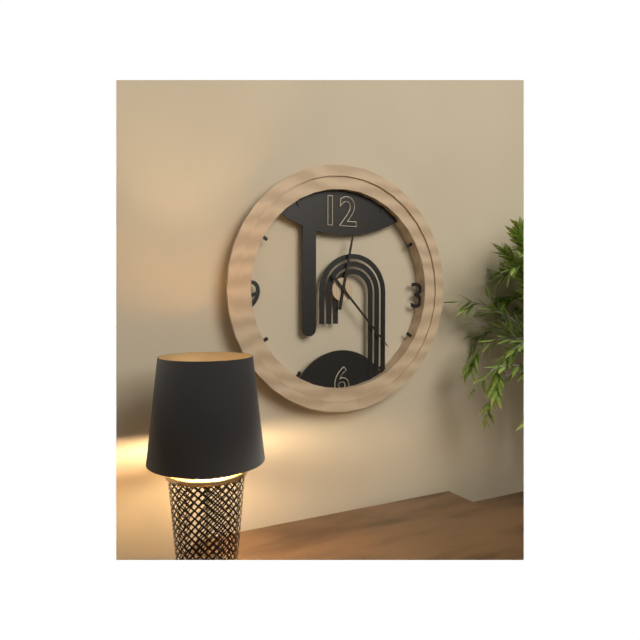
{"hour": 12, "minute": 23}
